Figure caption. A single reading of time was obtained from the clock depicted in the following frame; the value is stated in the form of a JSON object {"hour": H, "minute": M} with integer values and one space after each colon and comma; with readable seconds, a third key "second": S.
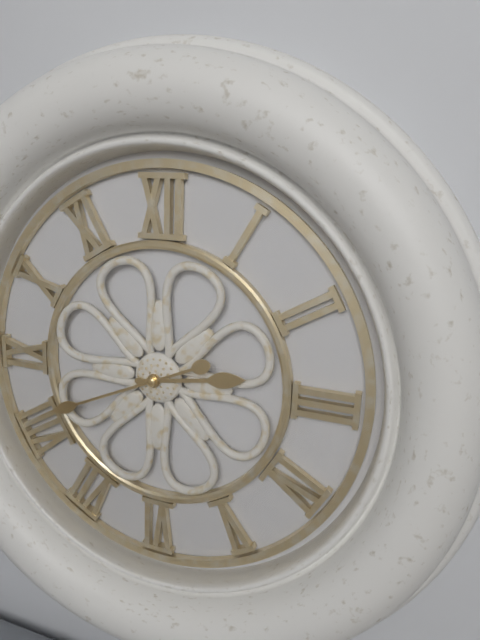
{"hour": 2, "minute": 41}
